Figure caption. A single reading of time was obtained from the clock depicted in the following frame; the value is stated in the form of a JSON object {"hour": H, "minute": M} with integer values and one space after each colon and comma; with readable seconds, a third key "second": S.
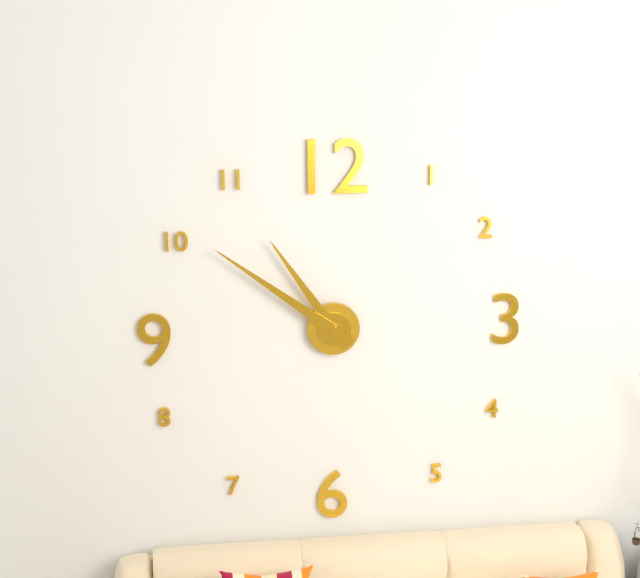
{"hour": 10, "minute": 51}
